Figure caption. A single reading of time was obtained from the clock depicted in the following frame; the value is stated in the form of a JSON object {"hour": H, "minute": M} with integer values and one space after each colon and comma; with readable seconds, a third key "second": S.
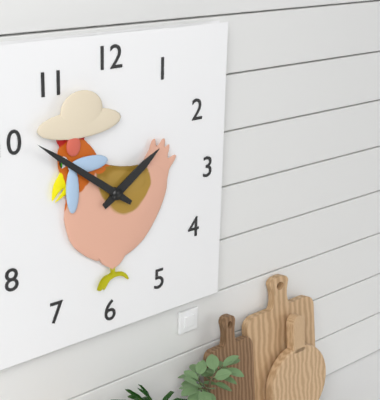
{"hour": 1, "minute": 51}
